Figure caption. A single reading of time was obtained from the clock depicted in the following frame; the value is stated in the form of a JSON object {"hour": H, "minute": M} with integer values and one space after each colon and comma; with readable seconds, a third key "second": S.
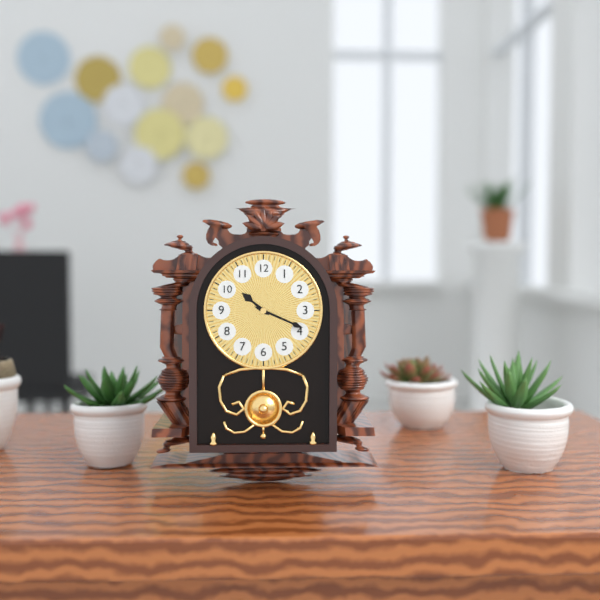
{"hour": 10, "minute": 19}
